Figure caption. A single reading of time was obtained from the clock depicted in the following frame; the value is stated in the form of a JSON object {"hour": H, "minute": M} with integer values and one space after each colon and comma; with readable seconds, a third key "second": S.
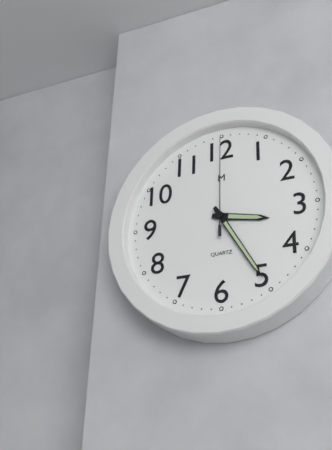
{"hour": 3, "minute": 25, "second": 0}
